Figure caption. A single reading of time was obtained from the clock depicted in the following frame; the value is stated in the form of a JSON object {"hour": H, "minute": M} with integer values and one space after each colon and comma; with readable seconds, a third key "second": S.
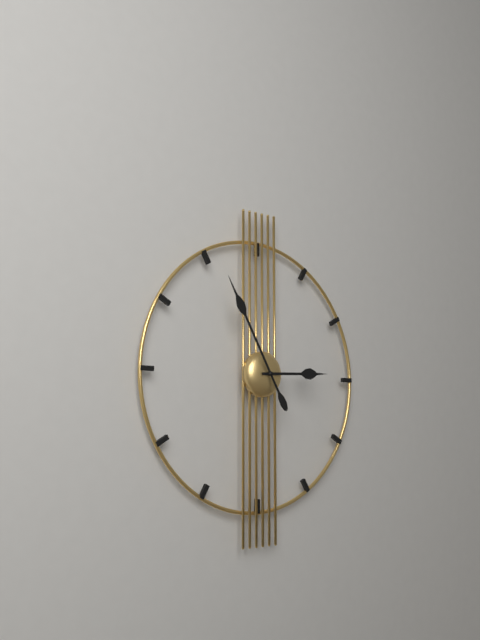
{"hour": 2, "minute": 55}
